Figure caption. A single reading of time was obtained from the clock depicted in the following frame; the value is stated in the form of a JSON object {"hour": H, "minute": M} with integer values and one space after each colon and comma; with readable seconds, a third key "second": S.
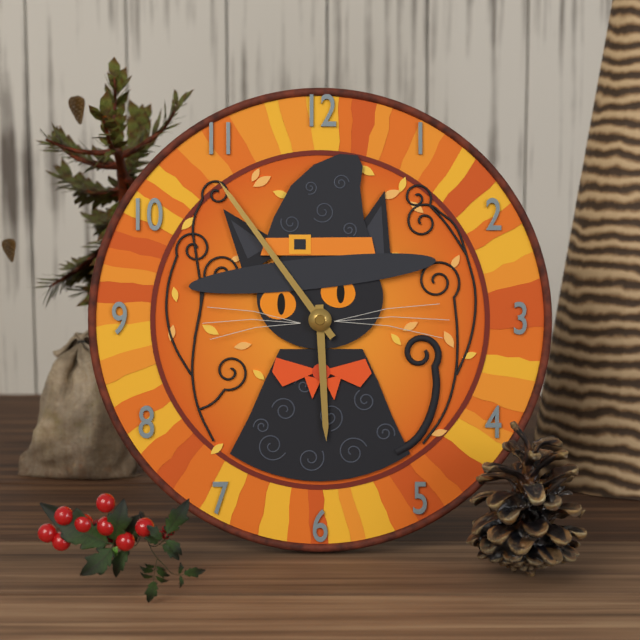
{"hour": 5, "minute": 54}
